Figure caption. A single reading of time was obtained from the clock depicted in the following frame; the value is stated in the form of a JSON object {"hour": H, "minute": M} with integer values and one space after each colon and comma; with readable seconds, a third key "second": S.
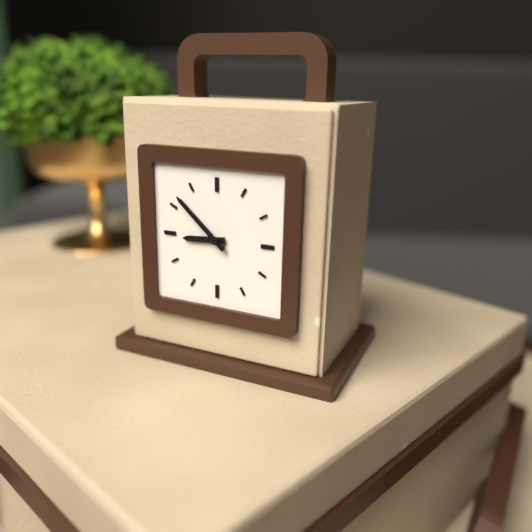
{"hour": 8, "minute": 52}
